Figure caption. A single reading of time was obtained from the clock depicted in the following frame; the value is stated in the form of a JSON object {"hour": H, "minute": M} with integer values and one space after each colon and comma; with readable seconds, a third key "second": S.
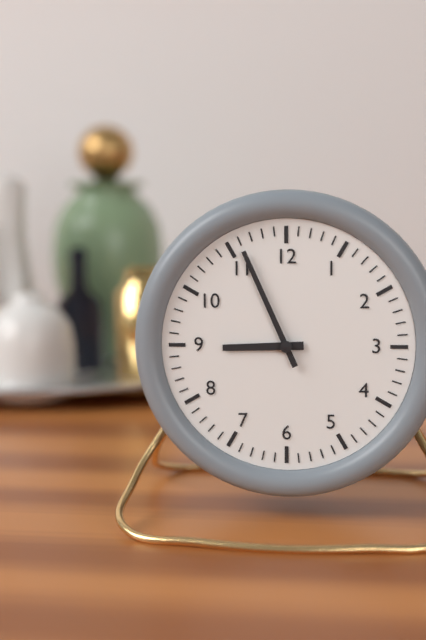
{"hour": 8, "minute": 56}
